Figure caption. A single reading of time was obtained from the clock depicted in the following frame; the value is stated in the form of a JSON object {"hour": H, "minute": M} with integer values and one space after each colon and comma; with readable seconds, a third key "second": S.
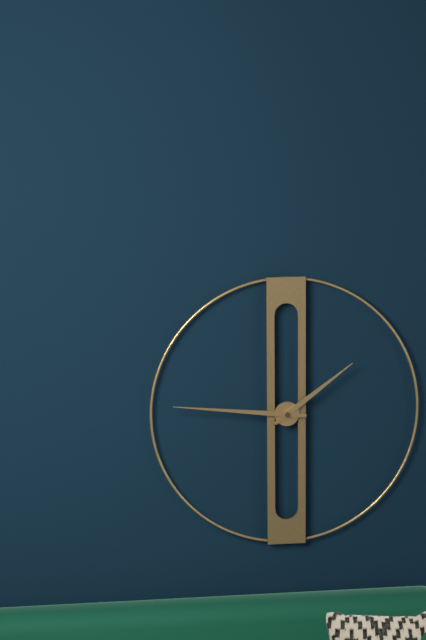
{"hour": 1, "minute": 46}
